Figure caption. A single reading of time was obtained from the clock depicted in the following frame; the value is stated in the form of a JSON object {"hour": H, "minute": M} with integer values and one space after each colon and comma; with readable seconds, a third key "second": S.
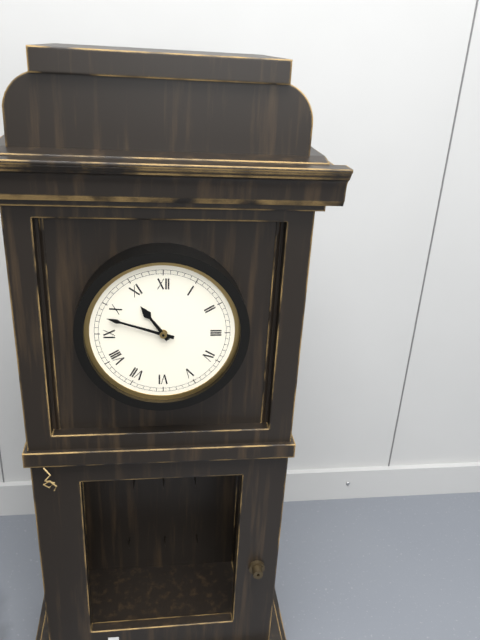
{"hour": 10, "minute": 48}
